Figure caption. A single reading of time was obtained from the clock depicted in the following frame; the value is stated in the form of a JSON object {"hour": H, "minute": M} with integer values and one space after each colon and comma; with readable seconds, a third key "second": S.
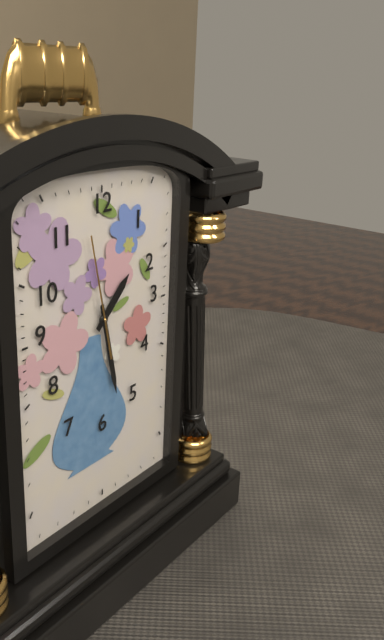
{"hour": 1, "minute": 28, "second": 58}
